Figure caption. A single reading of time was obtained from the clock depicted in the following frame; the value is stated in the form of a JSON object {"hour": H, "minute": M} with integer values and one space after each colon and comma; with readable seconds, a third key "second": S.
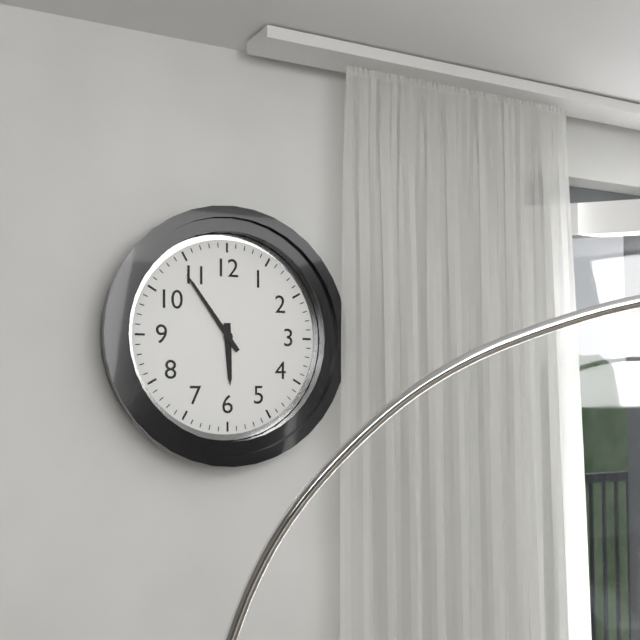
{"hour": 5, "minute": 54}
